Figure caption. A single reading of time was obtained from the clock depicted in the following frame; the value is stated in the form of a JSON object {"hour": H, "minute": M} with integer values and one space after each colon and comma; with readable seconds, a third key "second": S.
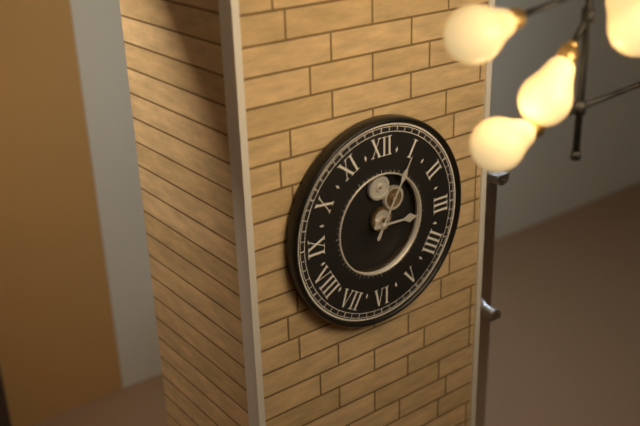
{"hour": 3, "minute": 5}
